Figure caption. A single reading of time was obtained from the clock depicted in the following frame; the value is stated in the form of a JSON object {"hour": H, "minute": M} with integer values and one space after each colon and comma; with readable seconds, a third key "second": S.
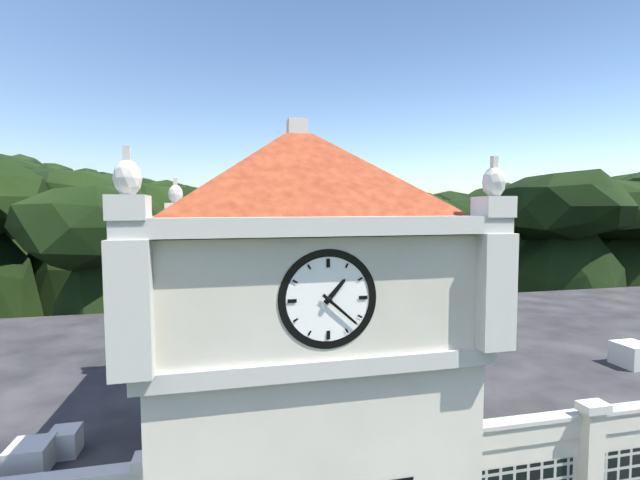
{"hour": 1, "minute": 22}
